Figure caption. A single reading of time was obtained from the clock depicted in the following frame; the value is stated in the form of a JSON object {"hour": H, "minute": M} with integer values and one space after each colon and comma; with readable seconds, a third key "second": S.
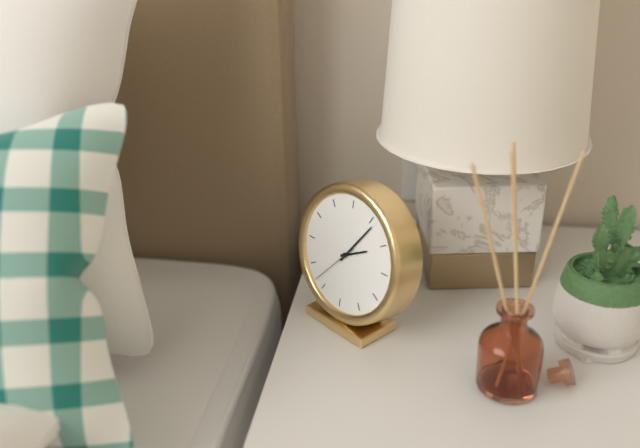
{"hour": 2, "minute": 6}
